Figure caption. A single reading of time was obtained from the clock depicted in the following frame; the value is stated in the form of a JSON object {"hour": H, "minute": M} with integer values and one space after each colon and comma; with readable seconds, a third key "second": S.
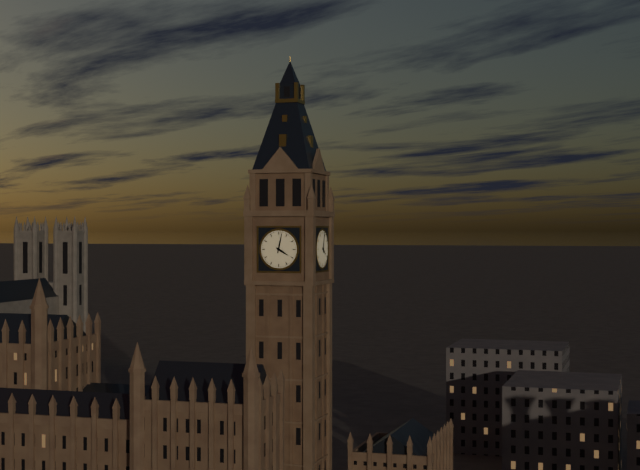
{"hour": 4, "minute": 2}
